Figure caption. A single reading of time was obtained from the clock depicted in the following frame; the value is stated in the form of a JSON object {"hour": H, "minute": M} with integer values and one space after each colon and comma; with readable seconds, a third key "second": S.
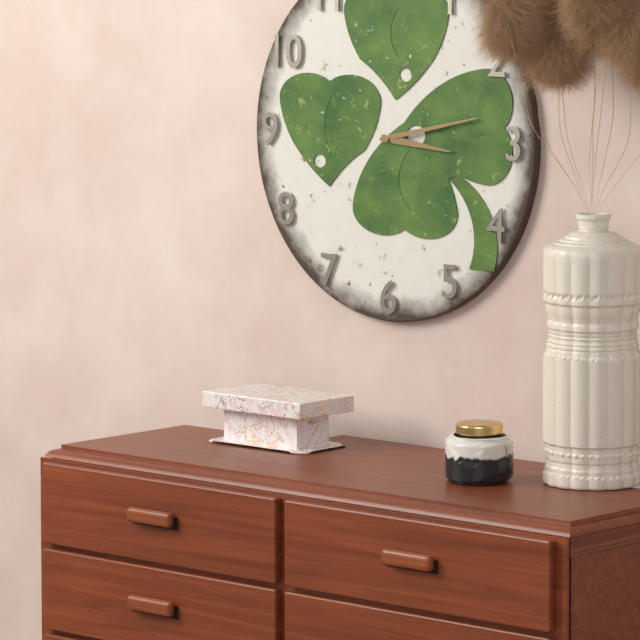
{"hour": 3, "minute": 13}
